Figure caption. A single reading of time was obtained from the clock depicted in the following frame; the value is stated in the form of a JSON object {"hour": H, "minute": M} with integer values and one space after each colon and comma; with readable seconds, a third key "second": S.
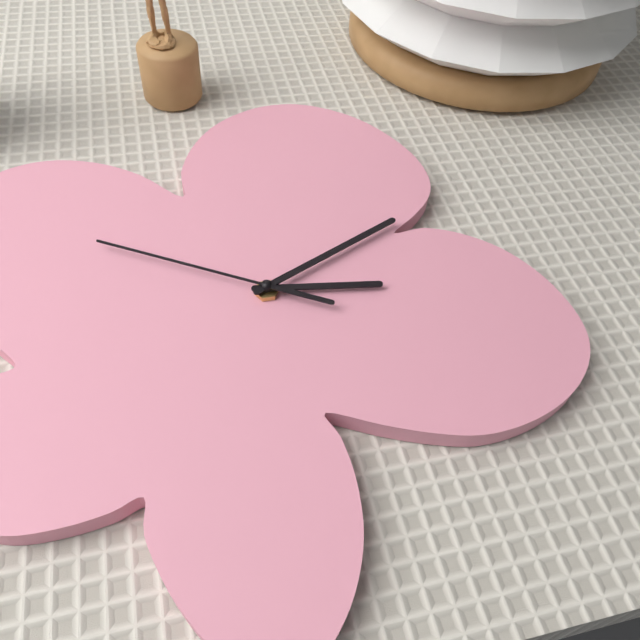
{"hour": 4, "minute": 16, "second": 55}
